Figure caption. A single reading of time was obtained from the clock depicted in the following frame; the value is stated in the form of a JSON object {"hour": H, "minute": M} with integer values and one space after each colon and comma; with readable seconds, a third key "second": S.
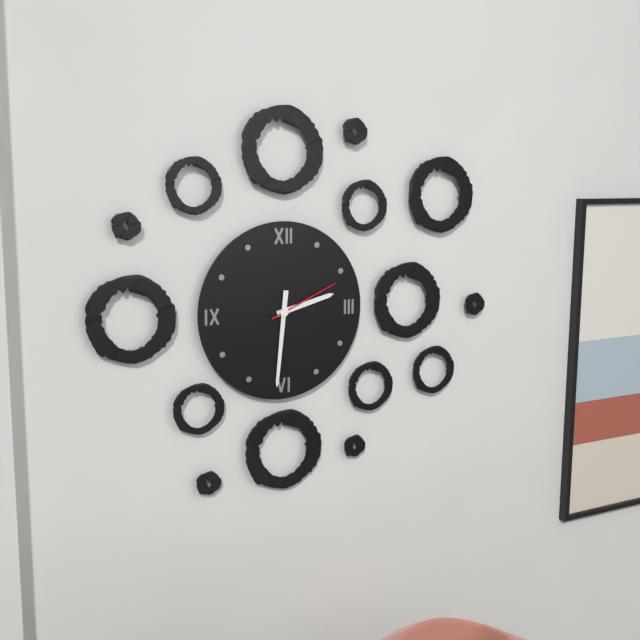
{"hour": 2, "minute": 31, "second": 11}
